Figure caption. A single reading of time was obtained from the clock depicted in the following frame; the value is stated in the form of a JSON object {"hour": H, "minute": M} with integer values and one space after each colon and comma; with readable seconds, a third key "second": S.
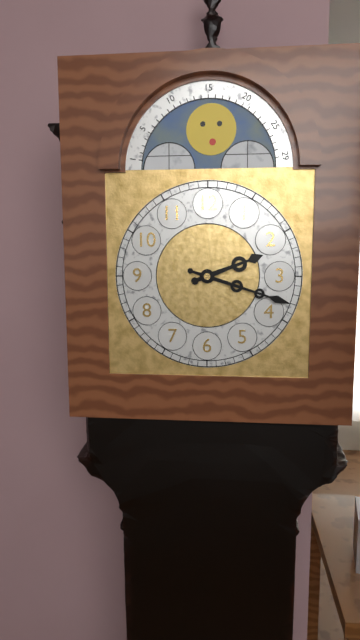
{"hour": 2, "minute": 18}
